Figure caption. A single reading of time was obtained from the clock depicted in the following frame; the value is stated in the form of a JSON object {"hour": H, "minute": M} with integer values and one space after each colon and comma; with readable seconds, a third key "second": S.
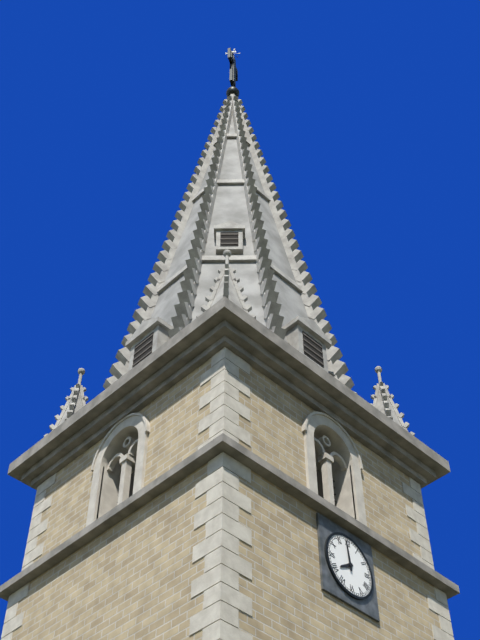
{"hour": 7, "minute": 59}
